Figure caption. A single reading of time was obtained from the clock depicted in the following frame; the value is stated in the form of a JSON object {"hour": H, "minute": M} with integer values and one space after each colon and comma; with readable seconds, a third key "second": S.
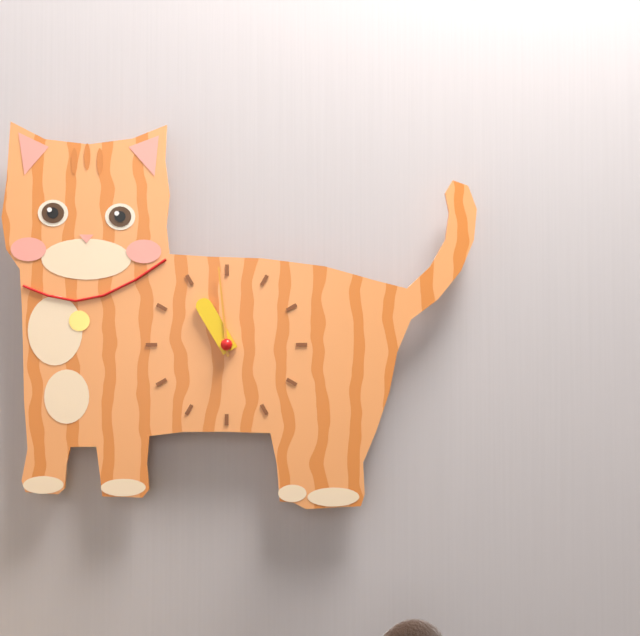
{"hour": 10, "minute": 59}
